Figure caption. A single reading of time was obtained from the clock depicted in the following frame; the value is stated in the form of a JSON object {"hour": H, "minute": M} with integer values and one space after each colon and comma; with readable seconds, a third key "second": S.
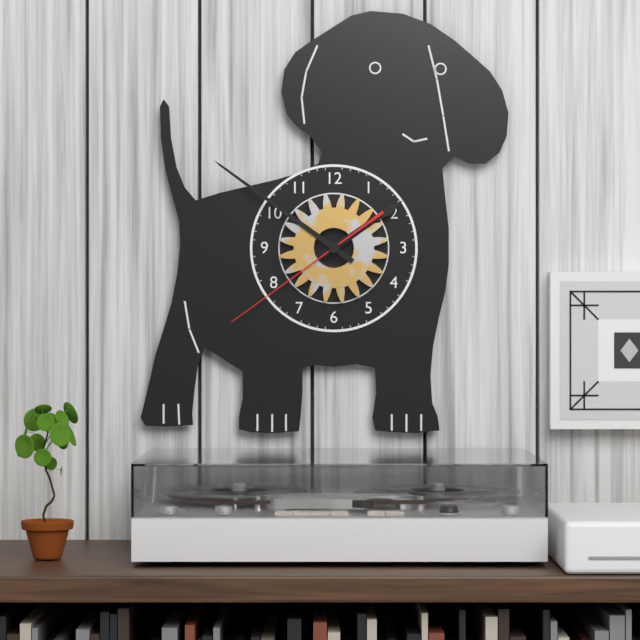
{"hour": 1, "minute": 51, "second": 39}
